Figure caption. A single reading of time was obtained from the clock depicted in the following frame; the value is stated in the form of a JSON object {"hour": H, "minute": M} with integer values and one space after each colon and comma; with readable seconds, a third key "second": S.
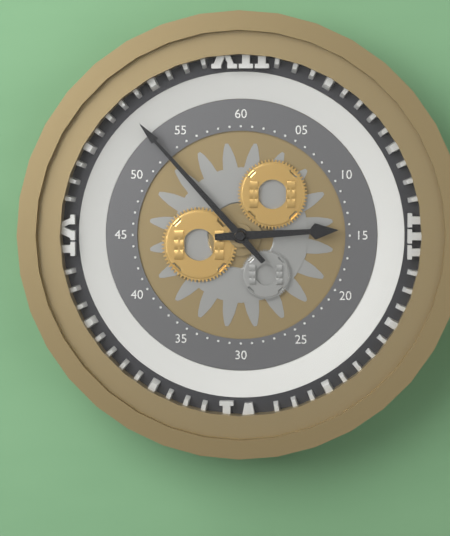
{"hour": 2, "minute": 53}
